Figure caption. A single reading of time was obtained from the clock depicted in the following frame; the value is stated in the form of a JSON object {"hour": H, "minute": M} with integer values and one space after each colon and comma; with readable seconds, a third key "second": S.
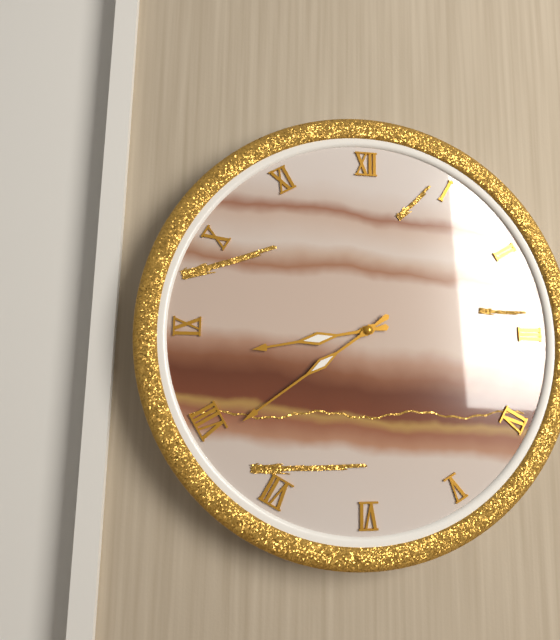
{"hour": 8, "minute": 39}
